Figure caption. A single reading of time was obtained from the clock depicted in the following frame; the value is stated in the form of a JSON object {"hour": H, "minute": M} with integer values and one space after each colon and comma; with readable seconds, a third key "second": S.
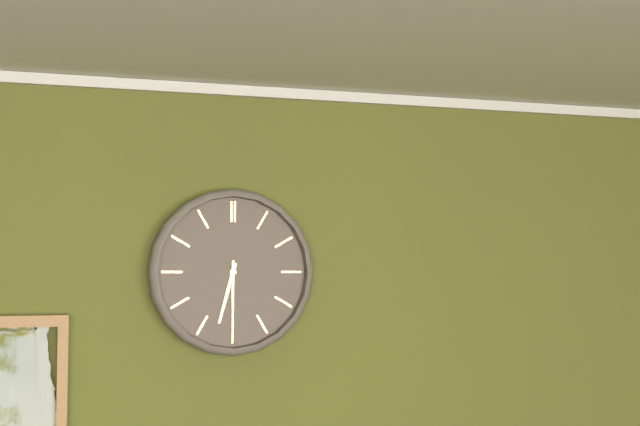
{"hour": 6, "minute": 30}
